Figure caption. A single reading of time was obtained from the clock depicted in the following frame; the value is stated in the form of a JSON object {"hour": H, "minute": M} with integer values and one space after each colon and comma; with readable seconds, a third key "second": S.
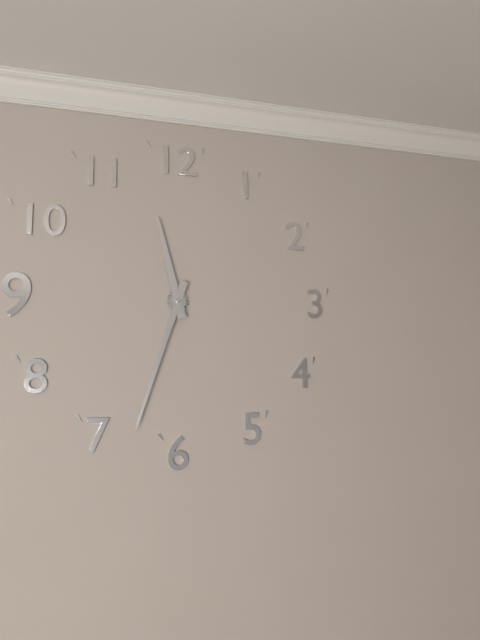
{"hour": 11, "minute": 33}
